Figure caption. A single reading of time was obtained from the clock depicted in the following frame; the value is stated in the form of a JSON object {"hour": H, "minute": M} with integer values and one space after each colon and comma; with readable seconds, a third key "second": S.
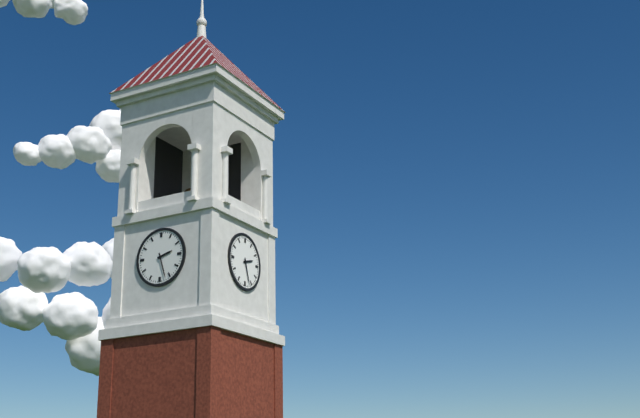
{"hour": 2, "minute": 27}
